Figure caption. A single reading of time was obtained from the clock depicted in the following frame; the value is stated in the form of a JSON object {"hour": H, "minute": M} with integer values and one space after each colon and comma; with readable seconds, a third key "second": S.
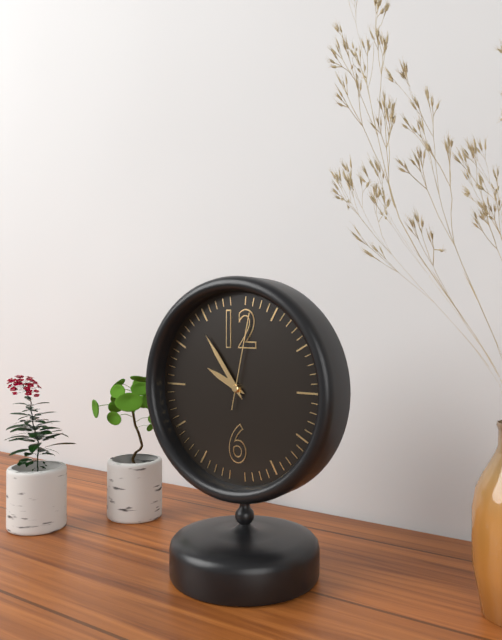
{"hour": 9, "minute": 54, "second": 2}
